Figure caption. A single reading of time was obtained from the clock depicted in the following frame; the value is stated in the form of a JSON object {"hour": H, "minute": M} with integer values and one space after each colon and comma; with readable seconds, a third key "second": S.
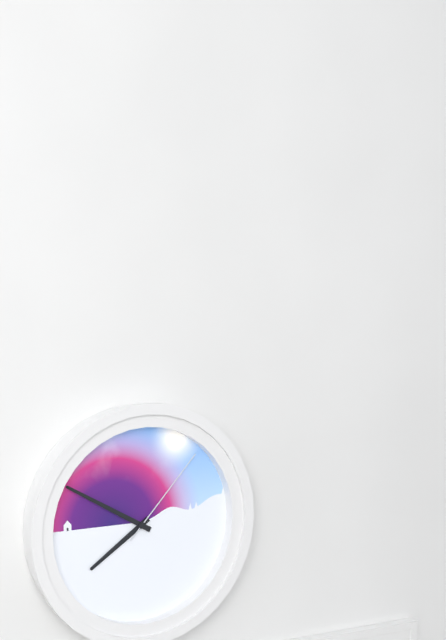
{"hour": 7, "minute": 50, "second": 7}
